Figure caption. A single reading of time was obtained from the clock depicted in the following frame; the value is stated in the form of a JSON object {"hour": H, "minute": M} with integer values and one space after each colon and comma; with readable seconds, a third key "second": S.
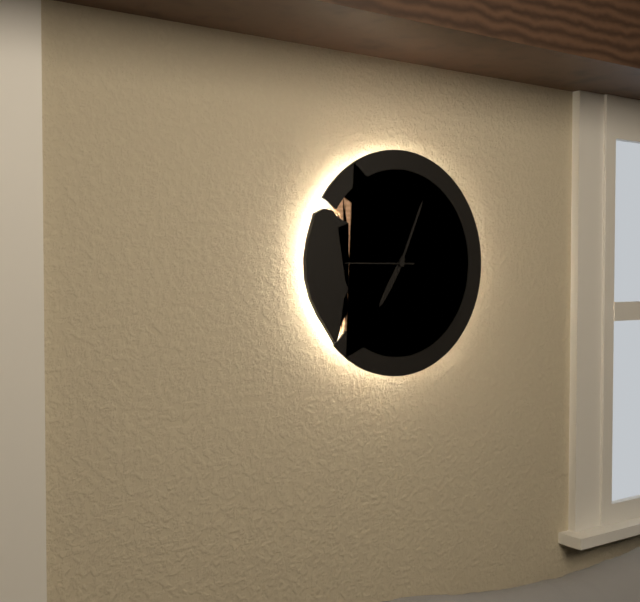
{"hour": 7, "minute": 4, "second": 45}
